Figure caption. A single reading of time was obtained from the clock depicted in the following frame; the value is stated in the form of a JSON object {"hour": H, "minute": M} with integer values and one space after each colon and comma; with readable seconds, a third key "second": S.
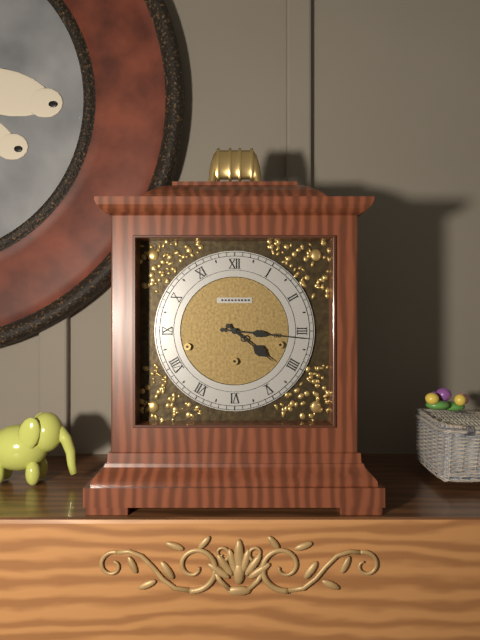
{"hour": 4, "minute": 16}
